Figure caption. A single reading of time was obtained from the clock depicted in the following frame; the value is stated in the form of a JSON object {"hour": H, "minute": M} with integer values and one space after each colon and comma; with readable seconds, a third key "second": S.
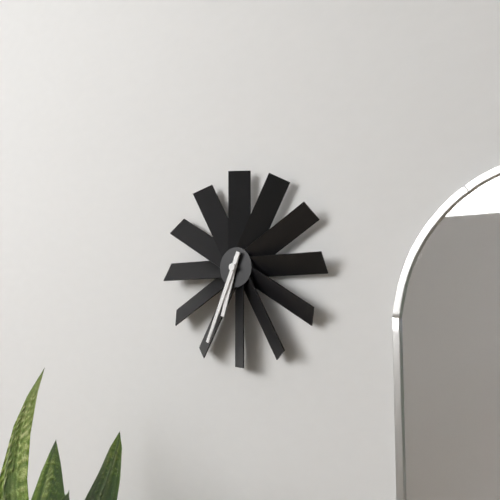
{"hour": 6, "minute": 34}
